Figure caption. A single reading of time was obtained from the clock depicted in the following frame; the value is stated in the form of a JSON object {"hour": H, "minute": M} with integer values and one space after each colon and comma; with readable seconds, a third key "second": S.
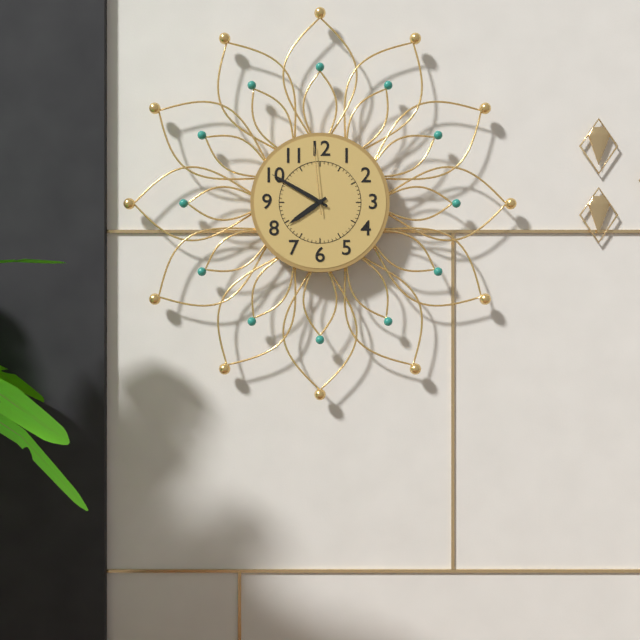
{"hour": 7, "minute": 50, "second": 59}
